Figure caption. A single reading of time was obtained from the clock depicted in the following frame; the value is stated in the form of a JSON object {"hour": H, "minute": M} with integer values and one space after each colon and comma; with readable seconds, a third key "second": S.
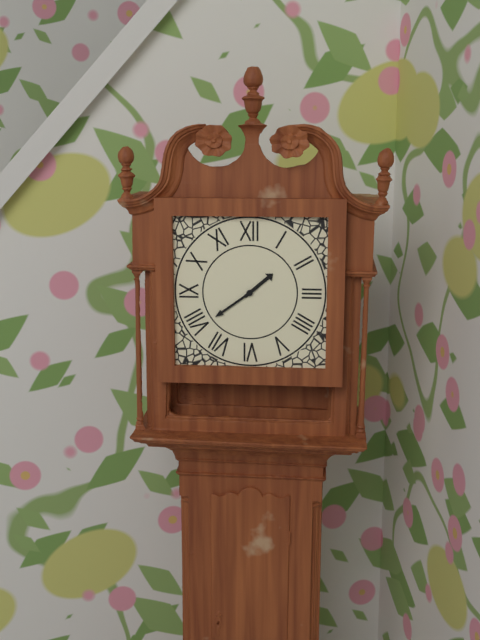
{"hour": 1, "minute": 39}
